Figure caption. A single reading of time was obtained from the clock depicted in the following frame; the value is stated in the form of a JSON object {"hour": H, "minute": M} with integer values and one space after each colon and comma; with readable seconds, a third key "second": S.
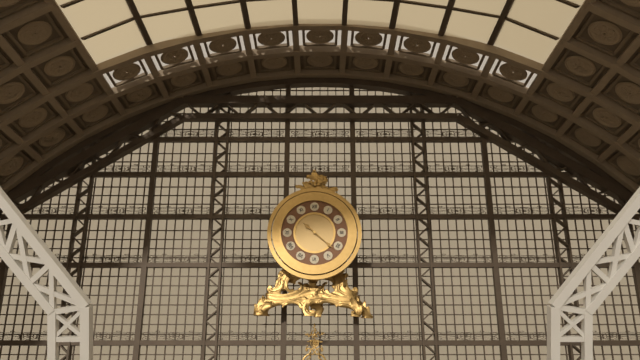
{"hour": 10, "minute": 22}
